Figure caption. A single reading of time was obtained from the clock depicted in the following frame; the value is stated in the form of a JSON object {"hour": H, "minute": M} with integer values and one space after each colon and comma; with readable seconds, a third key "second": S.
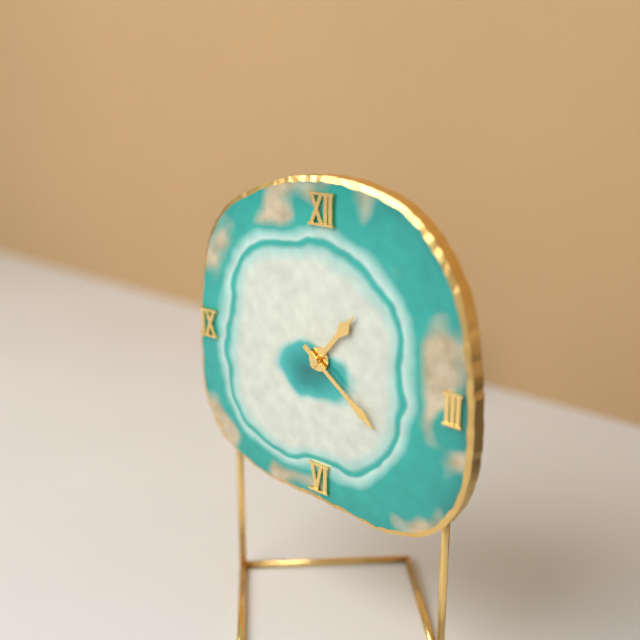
{"hour": 1, "minute": 21}
